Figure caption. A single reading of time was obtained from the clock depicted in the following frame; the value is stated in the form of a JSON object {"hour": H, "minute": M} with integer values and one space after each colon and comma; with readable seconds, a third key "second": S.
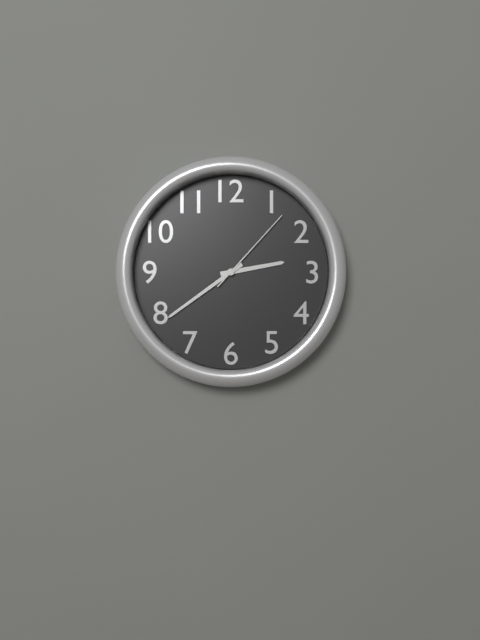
{"hour": 2, "minute": 39, "second": 7}
